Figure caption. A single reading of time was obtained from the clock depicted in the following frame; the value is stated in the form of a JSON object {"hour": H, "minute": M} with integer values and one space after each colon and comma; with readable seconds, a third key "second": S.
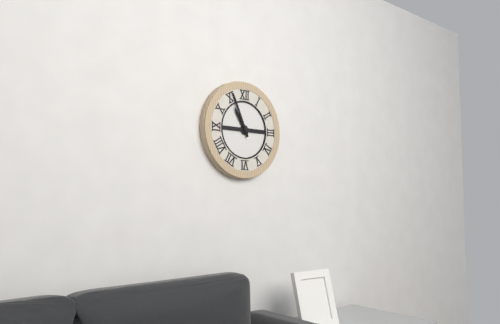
{"hour": 10, "minute": 56}
